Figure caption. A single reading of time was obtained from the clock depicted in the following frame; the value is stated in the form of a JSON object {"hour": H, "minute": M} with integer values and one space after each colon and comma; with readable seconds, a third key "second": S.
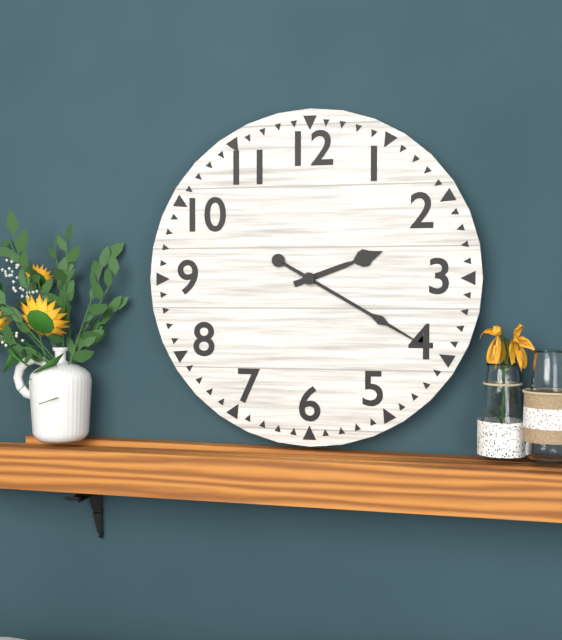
{"hour": 2, "minute": 20}
